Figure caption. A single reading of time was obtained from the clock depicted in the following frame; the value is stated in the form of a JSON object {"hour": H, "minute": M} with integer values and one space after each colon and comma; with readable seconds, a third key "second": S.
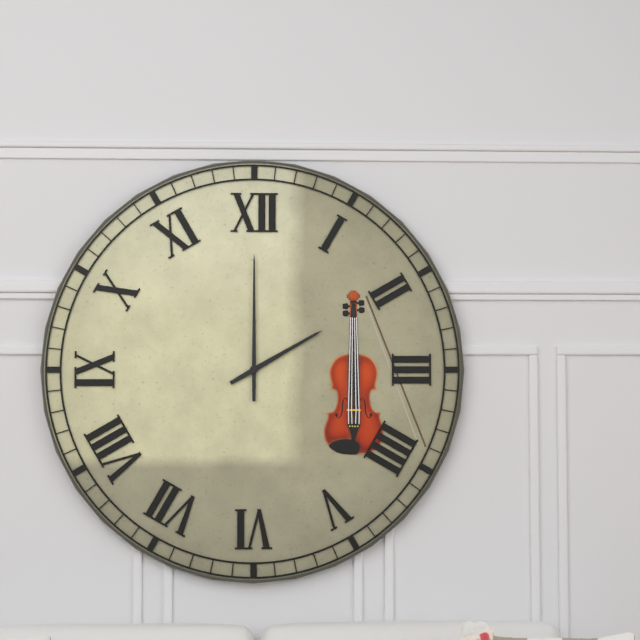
{"hour": 2, "minute": 0}
